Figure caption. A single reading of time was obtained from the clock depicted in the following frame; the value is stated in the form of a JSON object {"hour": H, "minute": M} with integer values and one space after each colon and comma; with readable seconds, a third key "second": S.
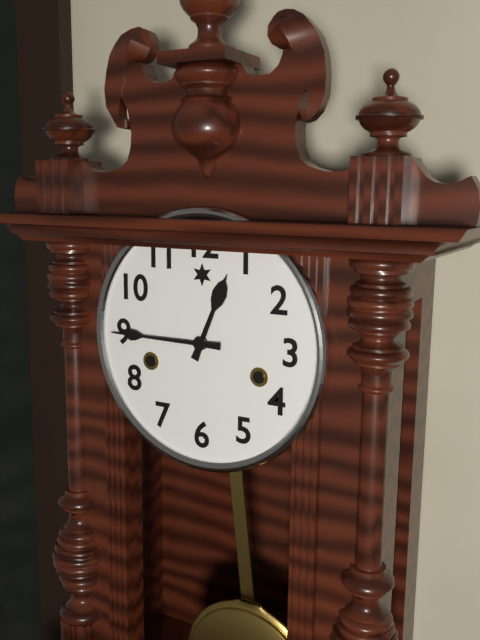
{"hour": 12, "minute": 45}
